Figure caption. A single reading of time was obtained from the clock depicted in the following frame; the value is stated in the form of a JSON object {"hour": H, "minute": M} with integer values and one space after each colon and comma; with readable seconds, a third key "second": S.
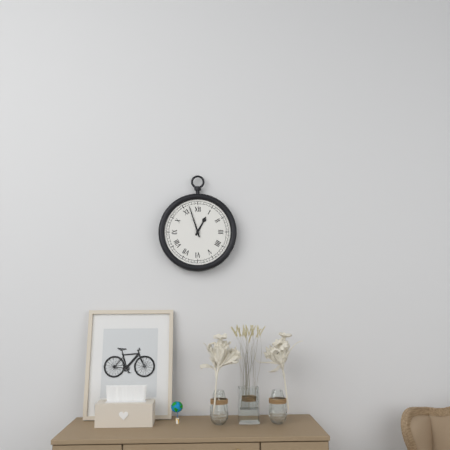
{"hour": 12, "minute": 57}
